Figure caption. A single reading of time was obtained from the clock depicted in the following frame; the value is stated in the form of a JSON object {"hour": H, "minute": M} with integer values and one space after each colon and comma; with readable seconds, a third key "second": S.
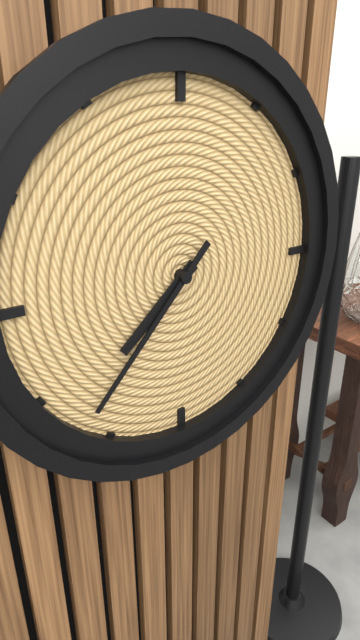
{"hour": 7, "minute": 37}
